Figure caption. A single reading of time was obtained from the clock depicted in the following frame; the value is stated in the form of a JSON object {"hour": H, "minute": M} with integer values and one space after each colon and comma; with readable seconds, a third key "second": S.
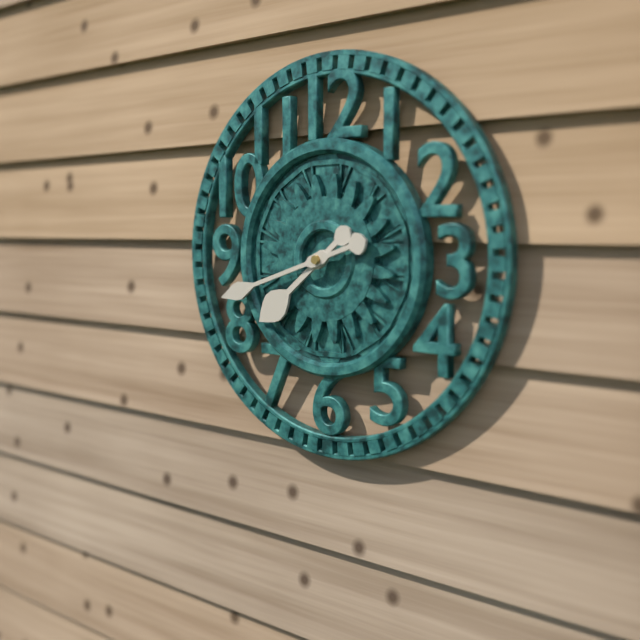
{"hour": 7, "minute": 42}
